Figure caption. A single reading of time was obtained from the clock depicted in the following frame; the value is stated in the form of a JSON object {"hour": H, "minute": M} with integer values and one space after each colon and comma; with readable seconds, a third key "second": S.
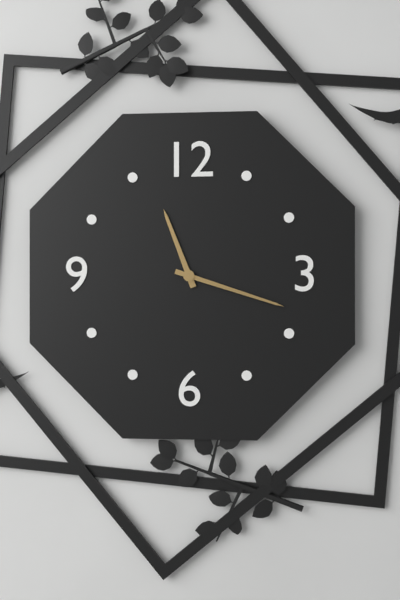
{"hour": 11, "minute": 18}
